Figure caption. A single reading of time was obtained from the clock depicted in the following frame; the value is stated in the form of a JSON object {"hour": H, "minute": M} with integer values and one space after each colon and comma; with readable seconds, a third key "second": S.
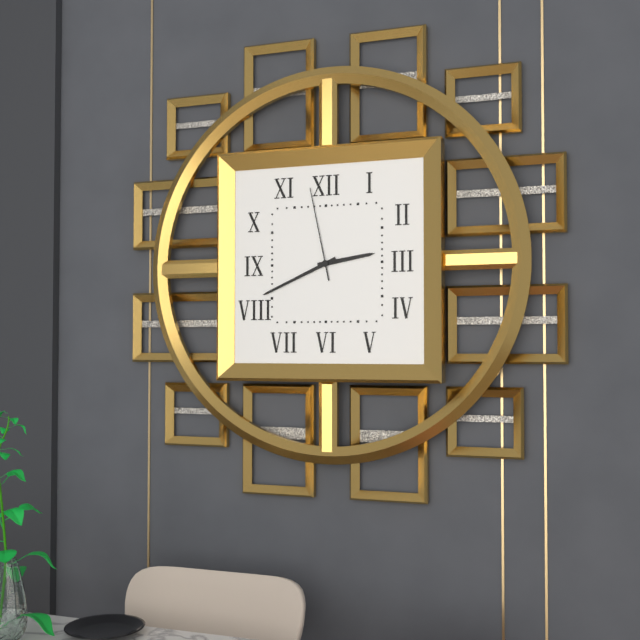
{"hour": 2, "minute": 41, "second": 58}
